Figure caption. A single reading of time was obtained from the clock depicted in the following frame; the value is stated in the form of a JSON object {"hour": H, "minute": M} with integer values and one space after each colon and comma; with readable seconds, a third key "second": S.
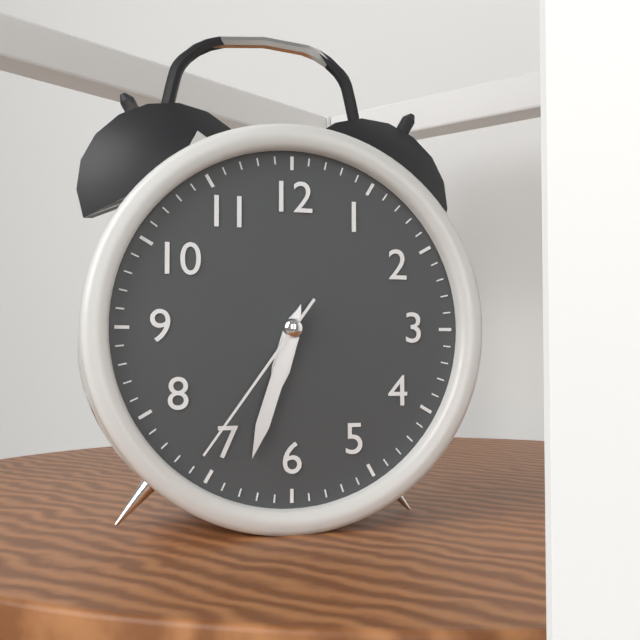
{"hour": 6, "minute": 33, "second": 36}
